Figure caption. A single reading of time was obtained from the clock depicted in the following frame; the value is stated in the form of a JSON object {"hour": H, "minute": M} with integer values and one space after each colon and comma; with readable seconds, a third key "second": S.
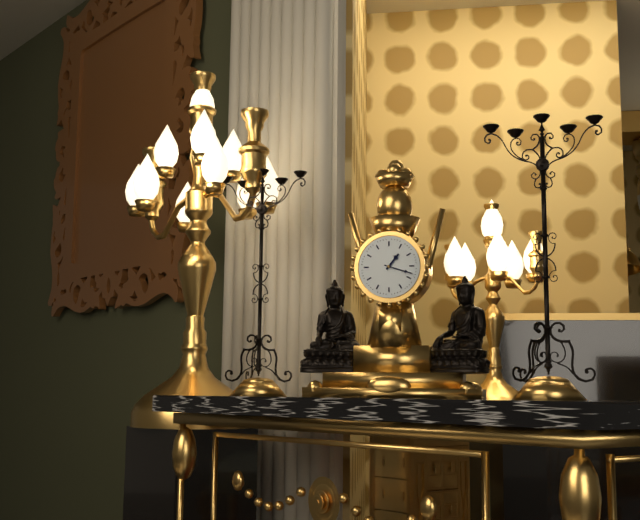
{"hour": 1, "minute": 18}
